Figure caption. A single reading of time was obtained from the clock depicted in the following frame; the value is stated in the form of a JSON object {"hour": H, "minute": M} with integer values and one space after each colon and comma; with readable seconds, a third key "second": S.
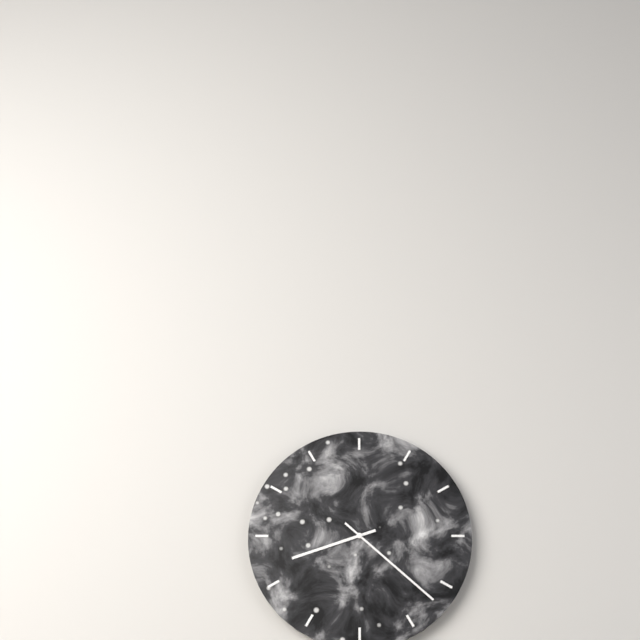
{"hour": 8, "minute": 22}
